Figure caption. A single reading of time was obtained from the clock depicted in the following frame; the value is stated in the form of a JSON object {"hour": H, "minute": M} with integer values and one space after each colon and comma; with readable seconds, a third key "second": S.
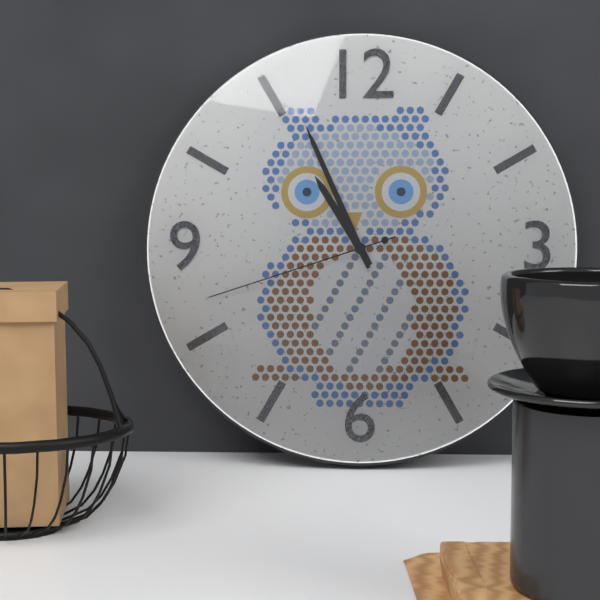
{"hour": 10, "minute": 56, "second": 42}
